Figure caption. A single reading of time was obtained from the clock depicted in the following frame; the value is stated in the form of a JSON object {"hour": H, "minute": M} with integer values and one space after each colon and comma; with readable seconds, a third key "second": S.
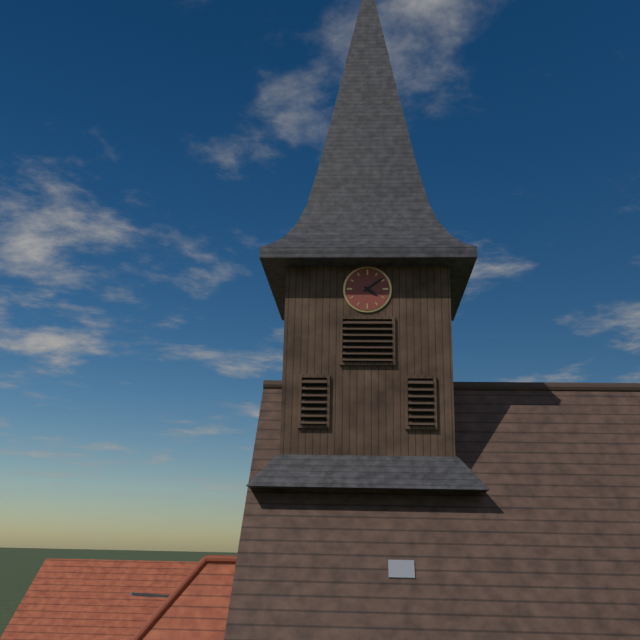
{"hour": 4, "minute": 9}
